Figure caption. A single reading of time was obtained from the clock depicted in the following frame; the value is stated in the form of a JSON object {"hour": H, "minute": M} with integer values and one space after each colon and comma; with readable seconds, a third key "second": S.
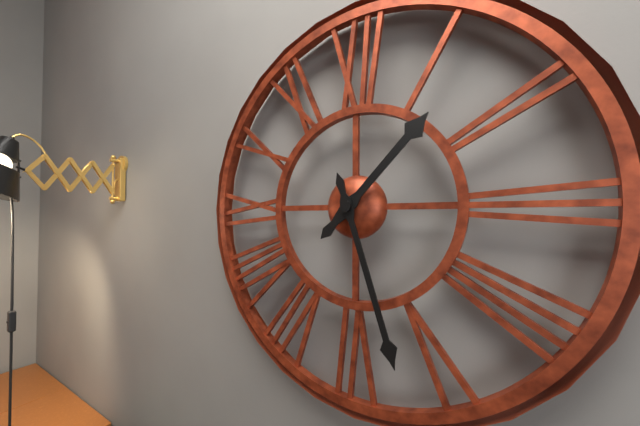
{"hour": 1, "minute": 27}
